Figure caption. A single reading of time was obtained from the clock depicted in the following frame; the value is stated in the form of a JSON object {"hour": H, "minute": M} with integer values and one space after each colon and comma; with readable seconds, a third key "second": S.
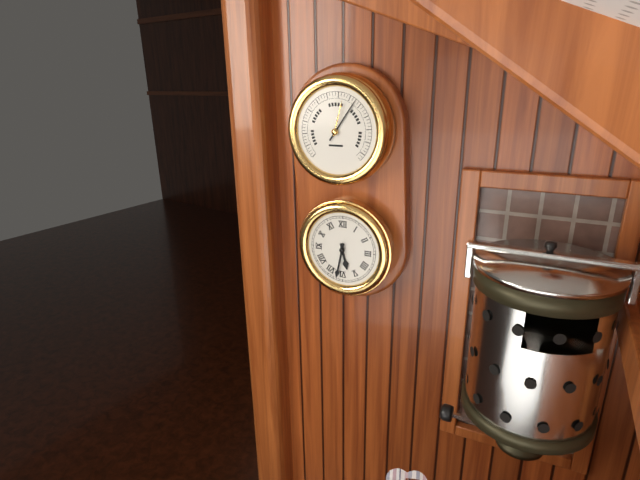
{"hour": 5, "minute": 32}
